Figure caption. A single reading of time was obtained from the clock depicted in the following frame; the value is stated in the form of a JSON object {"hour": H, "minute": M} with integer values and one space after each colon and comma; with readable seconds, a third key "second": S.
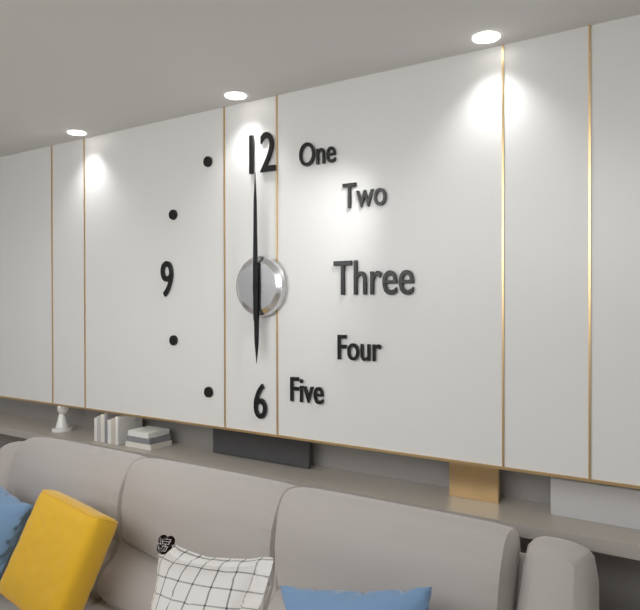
{"hour": 6, "minute": 0}
